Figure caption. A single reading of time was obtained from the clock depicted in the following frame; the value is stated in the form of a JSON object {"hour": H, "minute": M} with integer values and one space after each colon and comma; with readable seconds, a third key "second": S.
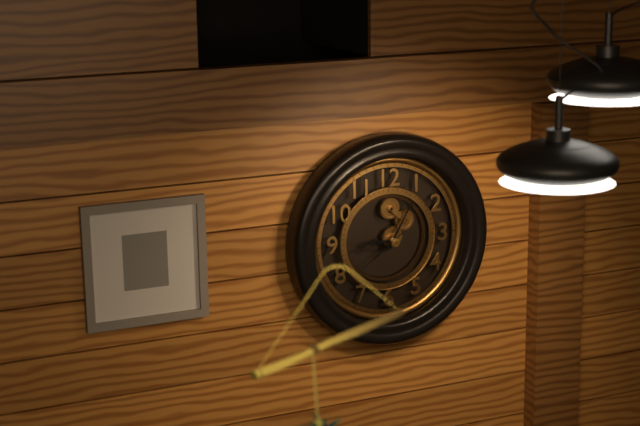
{"hour": 9, "minute": 5, "second": 39}
